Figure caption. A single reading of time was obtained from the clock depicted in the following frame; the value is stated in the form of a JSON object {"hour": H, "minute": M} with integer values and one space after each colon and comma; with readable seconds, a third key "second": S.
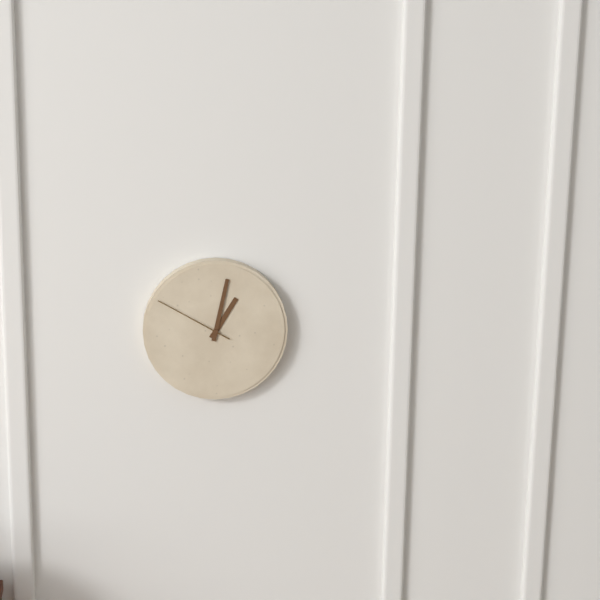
{"hour": 1, "minute": 2, "second": 50}
